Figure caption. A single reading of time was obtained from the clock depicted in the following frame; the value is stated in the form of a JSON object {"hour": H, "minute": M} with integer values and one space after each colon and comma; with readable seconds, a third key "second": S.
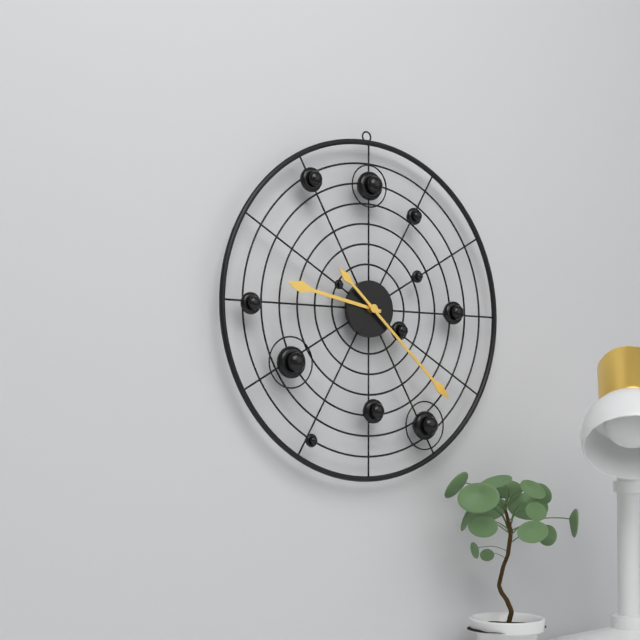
{"hour": 9, "minute": 22}
